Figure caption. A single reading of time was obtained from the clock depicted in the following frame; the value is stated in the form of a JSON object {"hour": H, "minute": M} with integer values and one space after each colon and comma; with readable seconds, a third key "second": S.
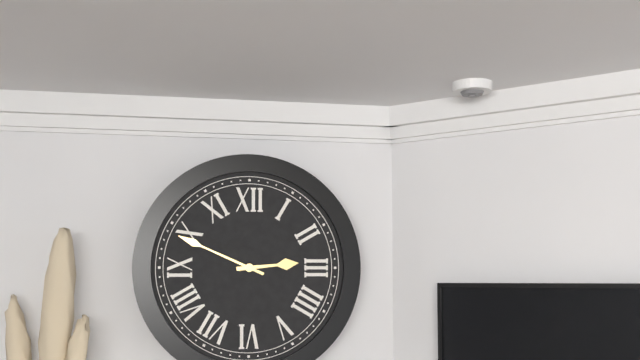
{"hour": 2, "minute": 49}
